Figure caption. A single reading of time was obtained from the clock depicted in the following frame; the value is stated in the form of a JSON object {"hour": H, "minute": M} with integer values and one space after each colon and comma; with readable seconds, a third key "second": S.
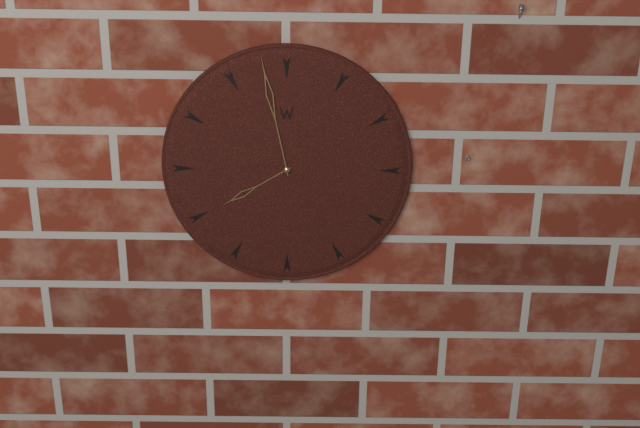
{"hour": 7, "minute": 58}
